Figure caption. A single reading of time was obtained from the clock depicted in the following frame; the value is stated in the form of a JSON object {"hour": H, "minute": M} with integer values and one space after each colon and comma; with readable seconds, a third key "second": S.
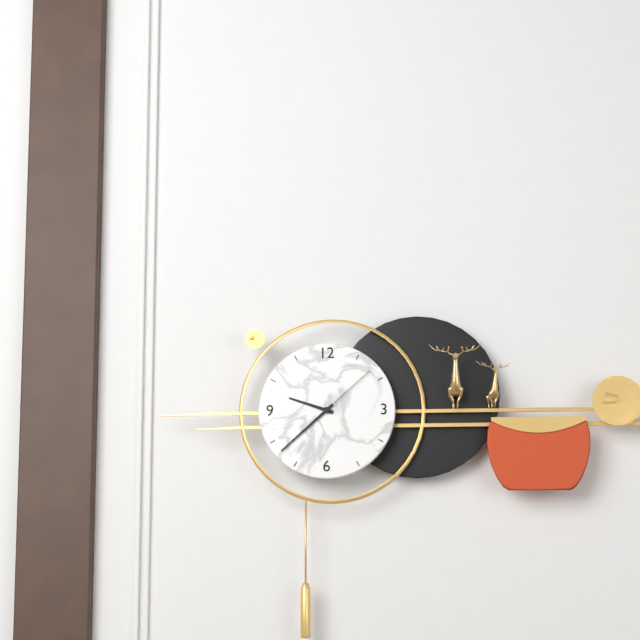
{"hour": 9, "minute": 38, "second": 8}
